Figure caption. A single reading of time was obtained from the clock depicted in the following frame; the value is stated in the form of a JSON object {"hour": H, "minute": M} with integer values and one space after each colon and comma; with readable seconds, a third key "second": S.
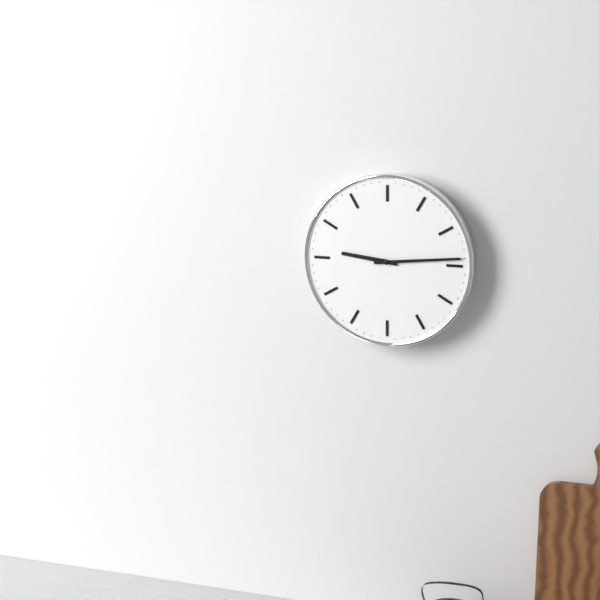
{"hour": 9, "minute": 14}
